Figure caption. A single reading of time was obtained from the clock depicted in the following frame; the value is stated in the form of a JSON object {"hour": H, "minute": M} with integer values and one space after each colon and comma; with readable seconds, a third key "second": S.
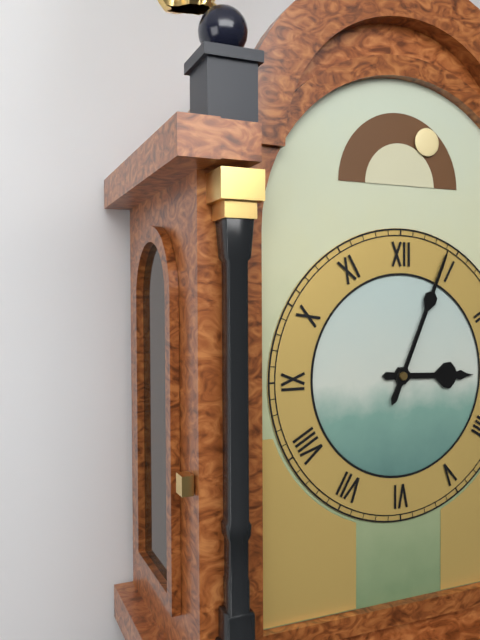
{"hour": 3, "minute": 4}
